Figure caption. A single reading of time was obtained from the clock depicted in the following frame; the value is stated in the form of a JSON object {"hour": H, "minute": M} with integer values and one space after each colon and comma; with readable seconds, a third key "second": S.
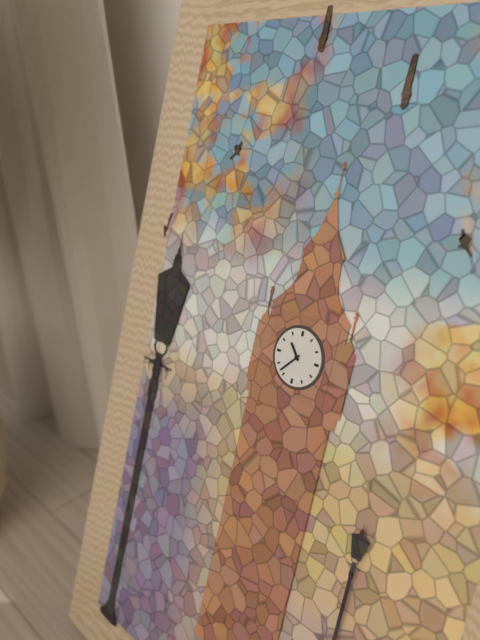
{"hour": 10, "minute": 37}
